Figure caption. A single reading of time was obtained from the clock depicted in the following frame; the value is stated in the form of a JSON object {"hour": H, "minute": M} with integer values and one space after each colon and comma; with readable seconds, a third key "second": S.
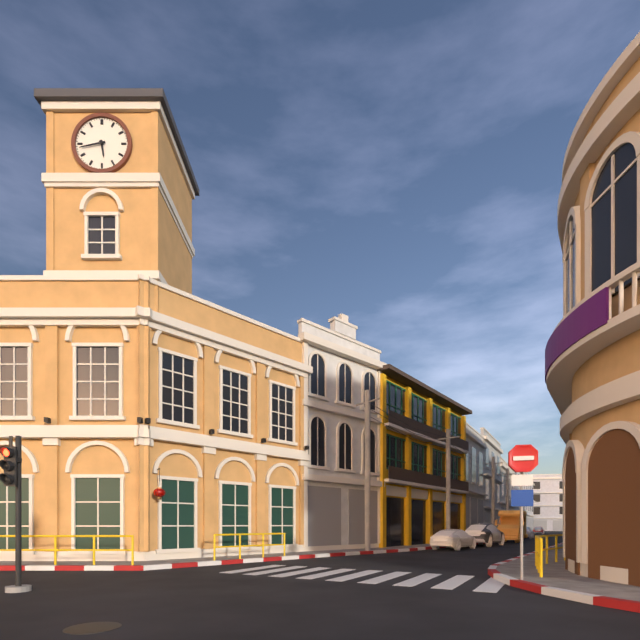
{"hour": 5, "minute": 43}
